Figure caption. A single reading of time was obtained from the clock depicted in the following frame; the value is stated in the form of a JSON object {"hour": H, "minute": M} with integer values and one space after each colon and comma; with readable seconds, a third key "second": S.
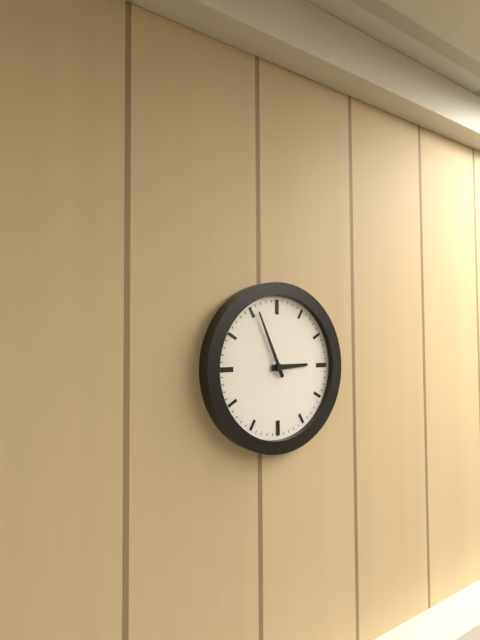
{"hour": 2, "minute": 56}
